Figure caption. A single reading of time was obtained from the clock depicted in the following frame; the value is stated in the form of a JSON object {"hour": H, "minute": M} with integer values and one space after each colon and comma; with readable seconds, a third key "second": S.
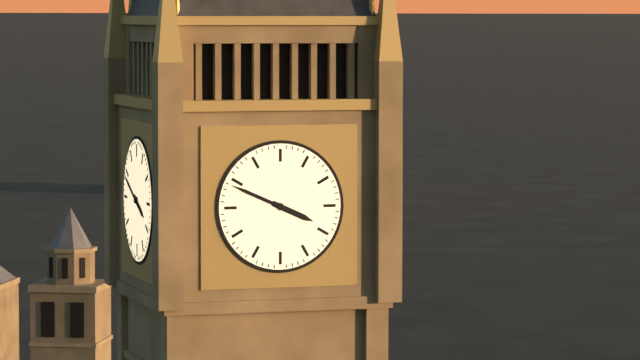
{"hour": 3, "minute": 49}
